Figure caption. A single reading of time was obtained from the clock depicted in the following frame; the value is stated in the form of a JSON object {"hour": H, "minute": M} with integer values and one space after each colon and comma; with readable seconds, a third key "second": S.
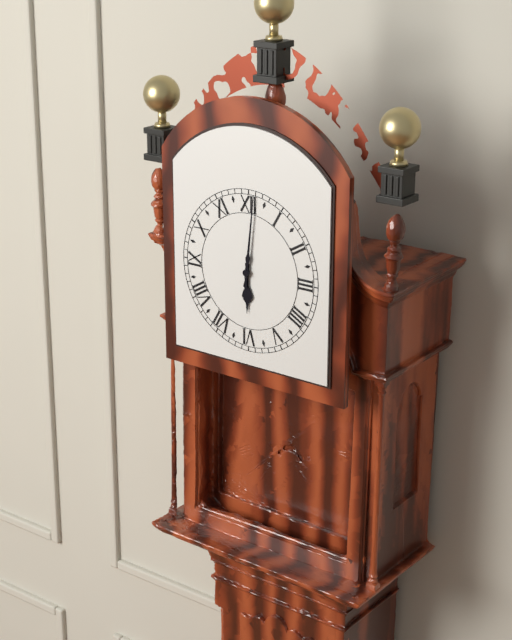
{"hour": 6, "minute": 1}
